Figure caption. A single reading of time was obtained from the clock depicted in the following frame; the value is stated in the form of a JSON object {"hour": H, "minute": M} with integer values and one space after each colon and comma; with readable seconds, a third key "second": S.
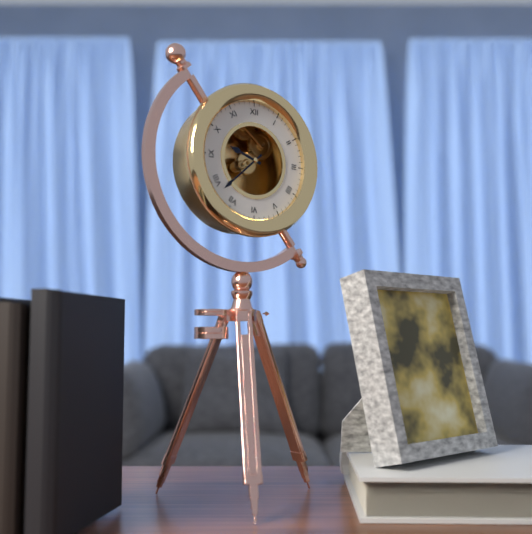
{"hour": 9, "minute": 38}
